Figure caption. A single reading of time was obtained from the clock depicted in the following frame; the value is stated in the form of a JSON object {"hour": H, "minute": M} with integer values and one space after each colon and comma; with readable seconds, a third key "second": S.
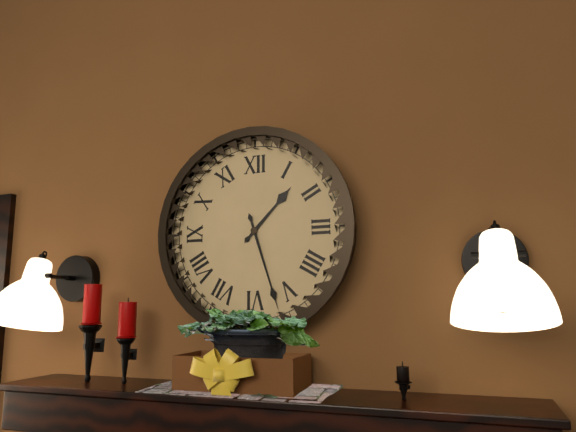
{"hour": 1, "minute": 27}
